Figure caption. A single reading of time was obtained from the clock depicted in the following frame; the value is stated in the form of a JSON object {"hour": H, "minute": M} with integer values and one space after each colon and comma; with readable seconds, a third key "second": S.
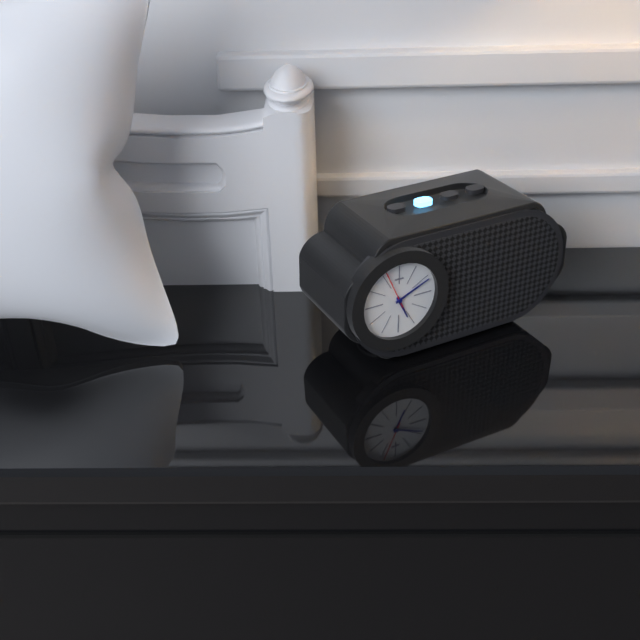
{"hour": 5, "minute": 11}
